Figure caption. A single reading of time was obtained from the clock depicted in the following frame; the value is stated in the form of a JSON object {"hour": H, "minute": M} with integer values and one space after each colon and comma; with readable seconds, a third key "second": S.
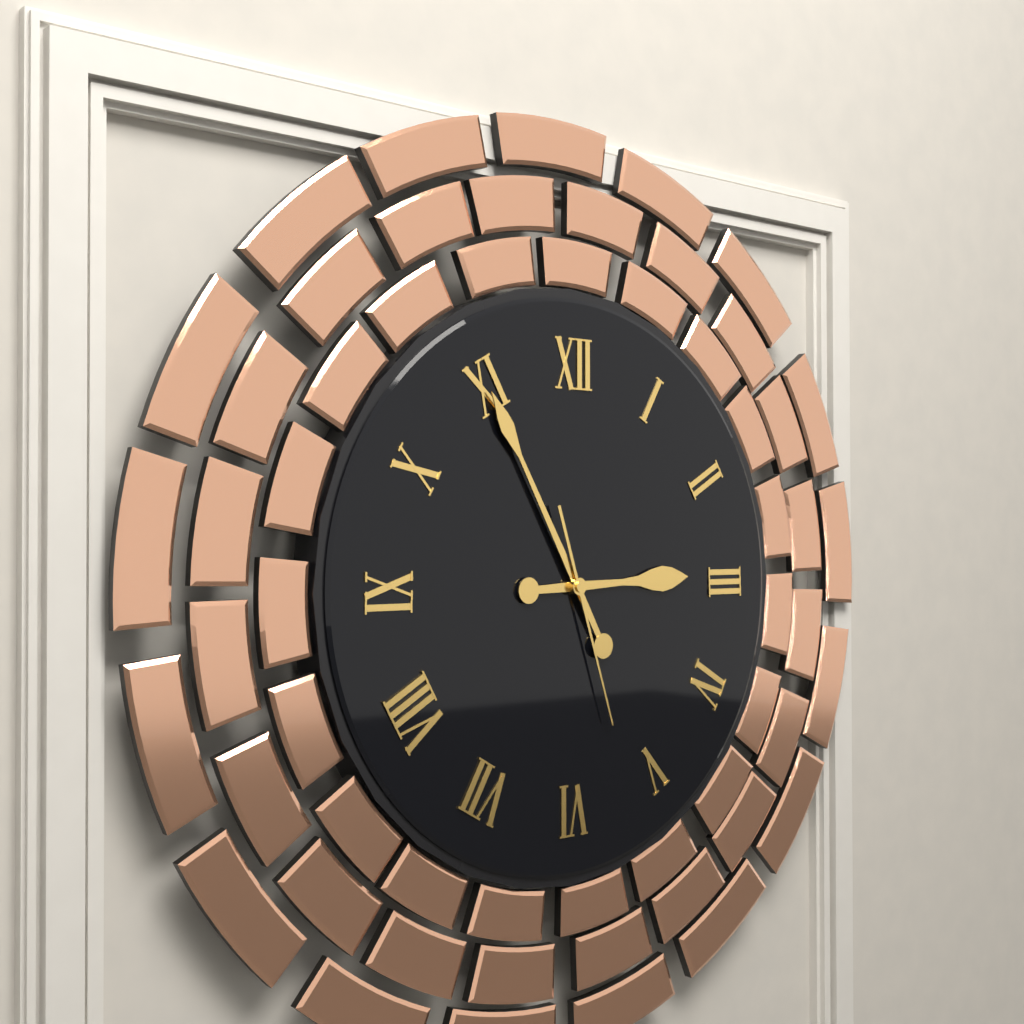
{"hour": 2, "minute": 55, "second": 27}
